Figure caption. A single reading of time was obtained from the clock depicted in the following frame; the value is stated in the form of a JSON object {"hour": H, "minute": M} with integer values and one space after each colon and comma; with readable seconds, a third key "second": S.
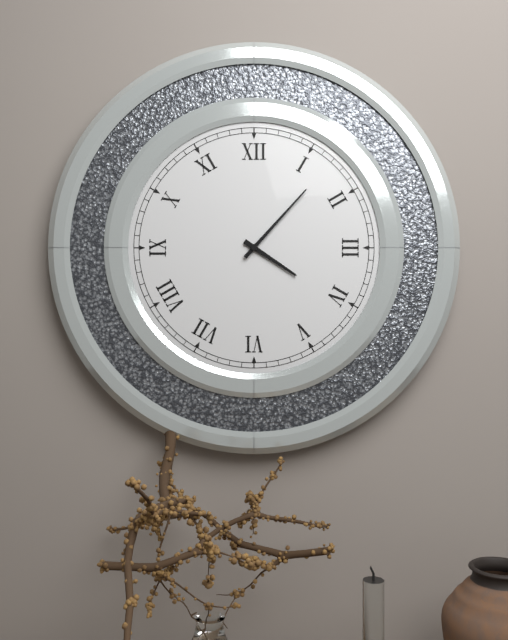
{"hour": 4, "minute": 7}
